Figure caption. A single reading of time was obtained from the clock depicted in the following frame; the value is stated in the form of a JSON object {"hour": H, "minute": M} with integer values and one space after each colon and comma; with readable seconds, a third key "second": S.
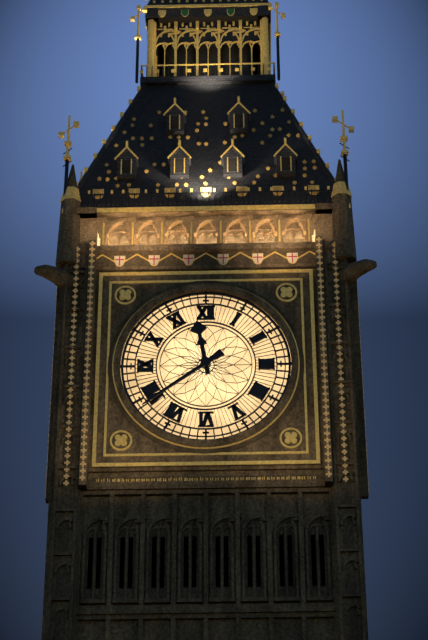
{"hour": 11, "minute": 39}
